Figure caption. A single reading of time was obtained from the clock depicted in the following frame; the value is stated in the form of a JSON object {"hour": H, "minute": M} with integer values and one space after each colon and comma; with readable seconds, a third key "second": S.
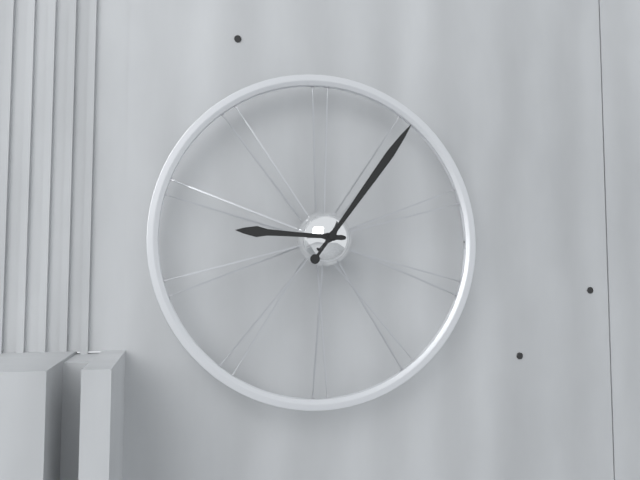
{"hour": 9, "minute": 6}
